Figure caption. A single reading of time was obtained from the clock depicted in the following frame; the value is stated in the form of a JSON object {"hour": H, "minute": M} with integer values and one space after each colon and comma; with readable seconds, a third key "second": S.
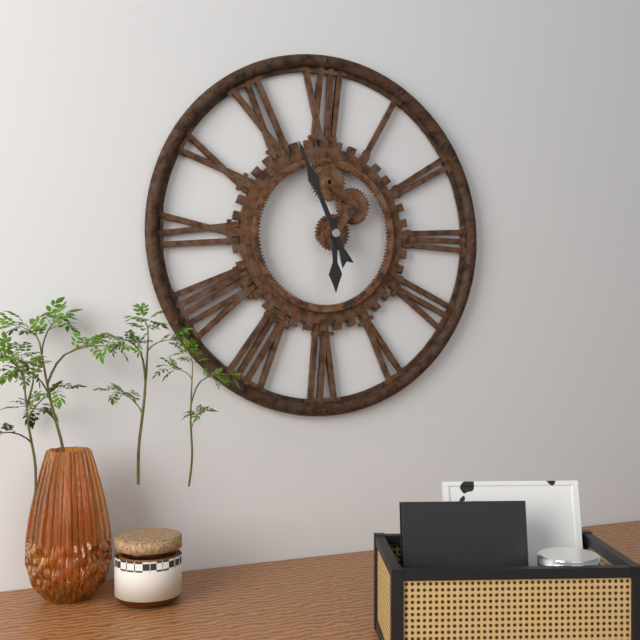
{"hour": 5, "minute": 56}
